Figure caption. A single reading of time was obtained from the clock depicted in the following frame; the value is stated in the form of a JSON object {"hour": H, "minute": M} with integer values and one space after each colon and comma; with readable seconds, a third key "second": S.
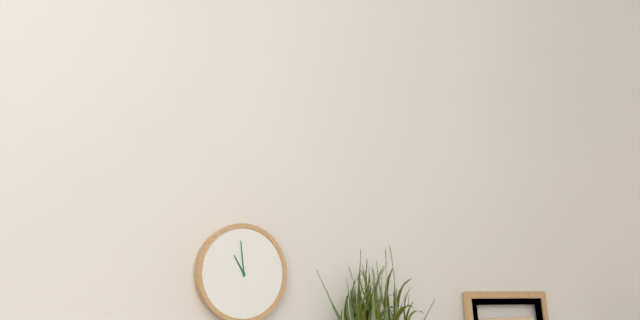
{"hour": 10, "minute": 59}
